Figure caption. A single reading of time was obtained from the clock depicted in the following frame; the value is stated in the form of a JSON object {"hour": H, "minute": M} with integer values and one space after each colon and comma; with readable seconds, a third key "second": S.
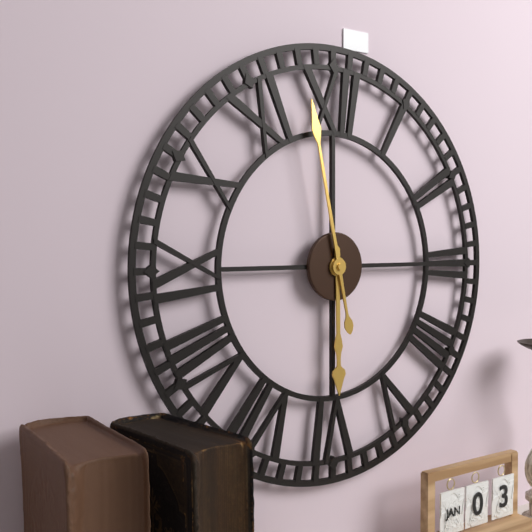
{"hour": 5, "minute": 58}
